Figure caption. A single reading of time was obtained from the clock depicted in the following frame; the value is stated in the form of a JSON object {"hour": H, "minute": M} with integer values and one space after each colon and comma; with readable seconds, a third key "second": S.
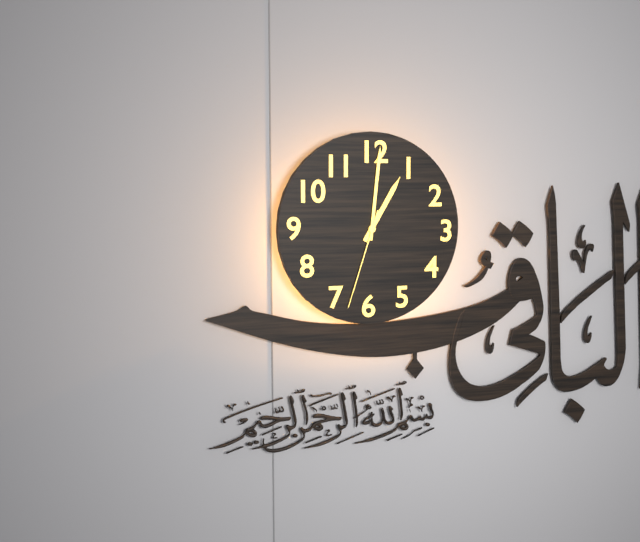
{"hour": 1, "minute": 1, "second": 33}
